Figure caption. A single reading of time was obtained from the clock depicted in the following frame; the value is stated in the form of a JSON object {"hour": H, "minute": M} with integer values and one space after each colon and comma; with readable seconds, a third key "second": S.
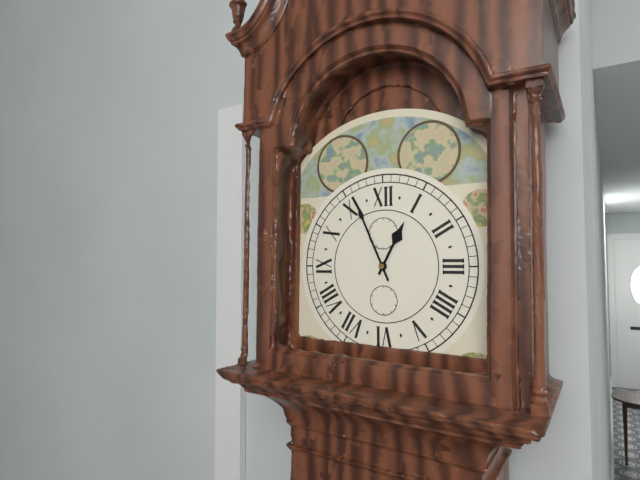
{"hour": 12, "minute": 56}
